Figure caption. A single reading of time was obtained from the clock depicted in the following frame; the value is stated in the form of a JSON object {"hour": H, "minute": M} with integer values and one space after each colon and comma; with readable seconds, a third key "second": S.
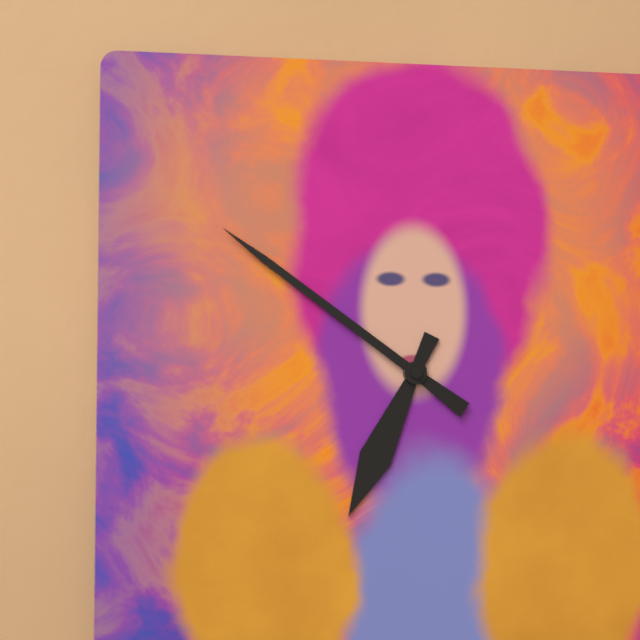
{"hour": 6, "minute": 51}
